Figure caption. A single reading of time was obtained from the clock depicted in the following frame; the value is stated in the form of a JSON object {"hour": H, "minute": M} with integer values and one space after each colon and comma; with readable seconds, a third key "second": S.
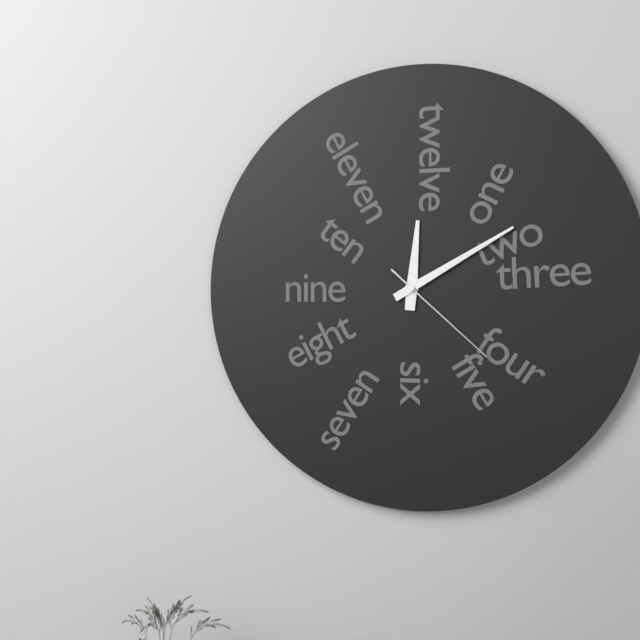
{"hour": 12, "minute": 10, "second": 22}
